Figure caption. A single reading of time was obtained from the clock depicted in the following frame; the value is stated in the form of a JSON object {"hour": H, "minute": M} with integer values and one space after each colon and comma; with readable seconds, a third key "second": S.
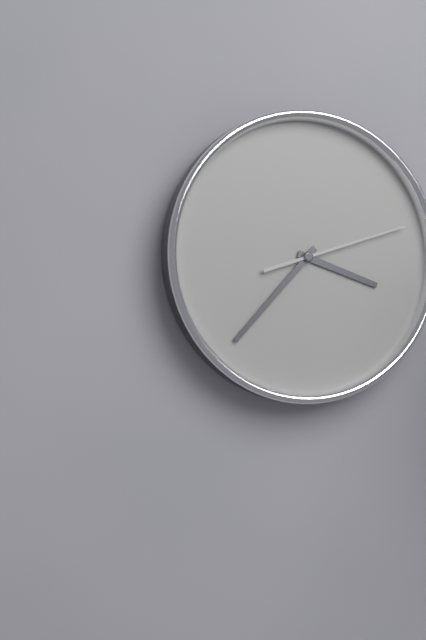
{"hour": 3, "minute": 37, "second": 12}
